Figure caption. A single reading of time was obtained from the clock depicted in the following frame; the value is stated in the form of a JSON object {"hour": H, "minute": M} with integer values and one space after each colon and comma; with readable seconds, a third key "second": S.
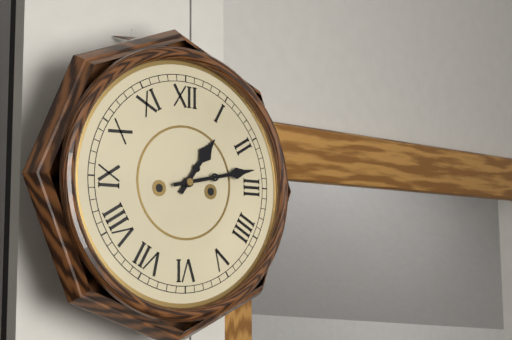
{"hour": 1, "minute": 13}
